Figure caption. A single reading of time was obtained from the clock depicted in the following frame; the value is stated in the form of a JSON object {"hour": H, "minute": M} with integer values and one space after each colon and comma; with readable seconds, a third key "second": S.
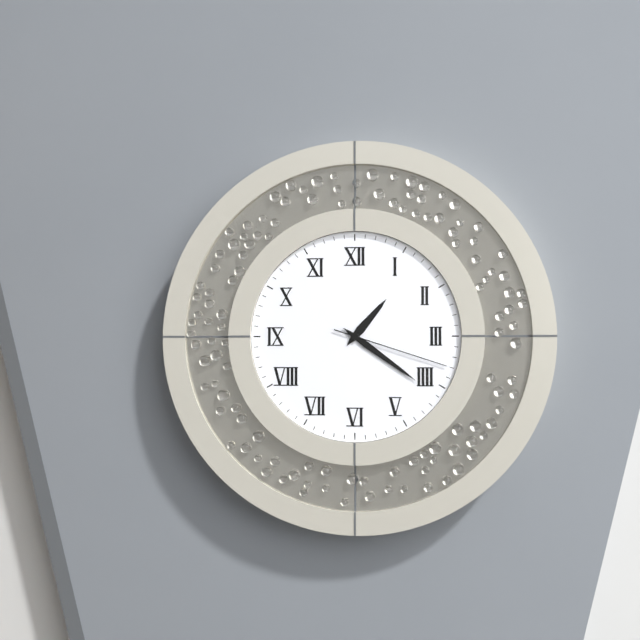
{"hour": 1, "minute": 21, "second": 18}
